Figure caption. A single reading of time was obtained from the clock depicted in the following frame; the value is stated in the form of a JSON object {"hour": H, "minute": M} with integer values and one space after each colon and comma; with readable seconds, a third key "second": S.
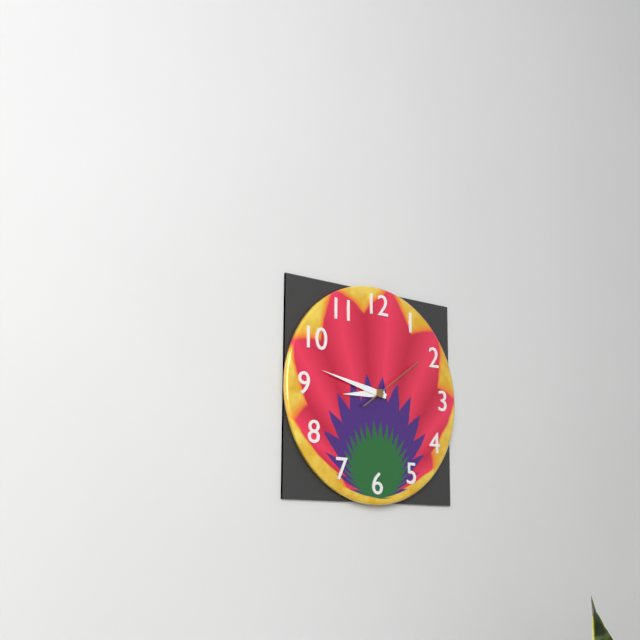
{"hour": 8, "minute": 47, "second": 9}
